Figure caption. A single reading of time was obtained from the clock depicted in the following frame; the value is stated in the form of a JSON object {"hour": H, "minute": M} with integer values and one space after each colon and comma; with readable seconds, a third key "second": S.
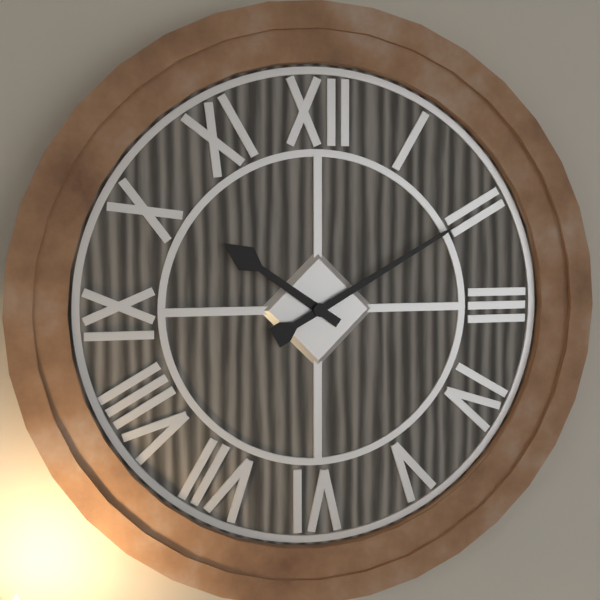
{"hour": 10, "minute": 10}
